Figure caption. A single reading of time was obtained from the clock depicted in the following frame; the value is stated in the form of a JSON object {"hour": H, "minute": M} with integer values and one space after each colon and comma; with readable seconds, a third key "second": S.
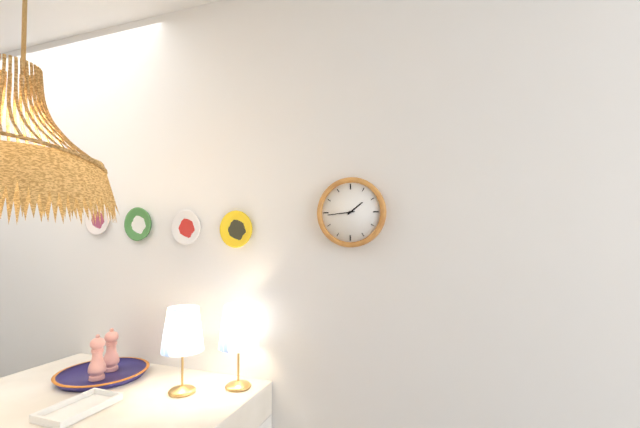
{"hour": 1, "minute": 44}
